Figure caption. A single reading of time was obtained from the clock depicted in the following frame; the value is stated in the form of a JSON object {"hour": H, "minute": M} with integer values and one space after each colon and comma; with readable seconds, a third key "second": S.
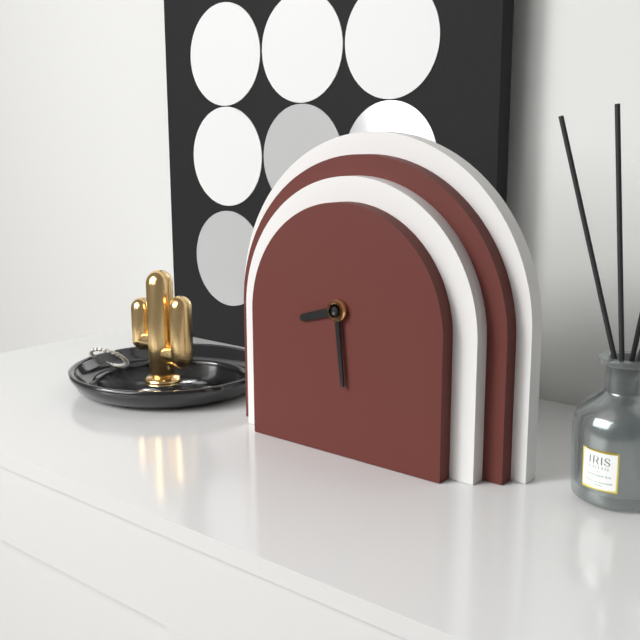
{"hour": 8, "minute": 29}
